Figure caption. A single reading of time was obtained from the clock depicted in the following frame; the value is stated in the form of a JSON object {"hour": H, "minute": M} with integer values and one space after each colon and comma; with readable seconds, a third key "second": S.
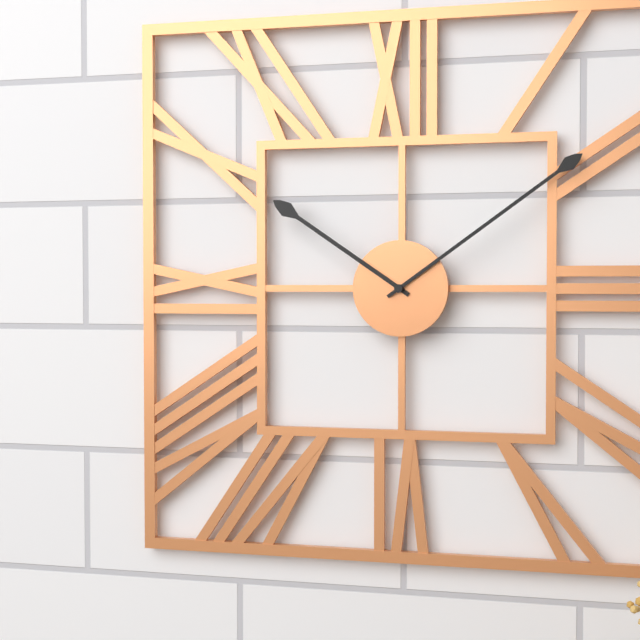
{"hour": 10, "minute": 9}
